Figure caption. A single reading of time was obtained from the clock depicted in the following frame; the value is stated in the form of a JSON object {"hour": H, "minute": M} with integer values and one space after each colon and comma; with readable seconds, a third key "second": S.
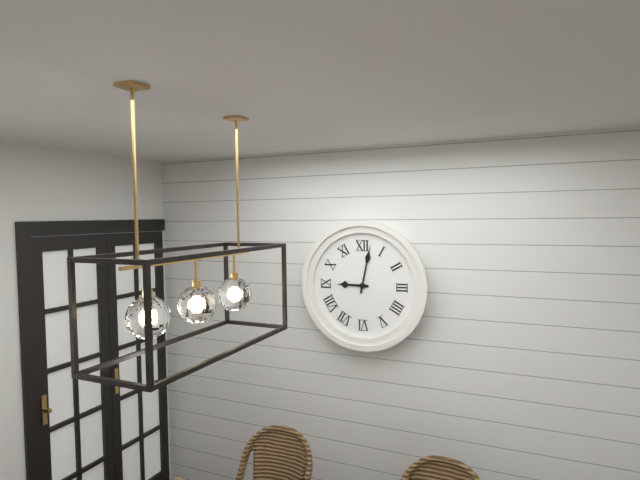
{"hour": 9, "minute": 2}
